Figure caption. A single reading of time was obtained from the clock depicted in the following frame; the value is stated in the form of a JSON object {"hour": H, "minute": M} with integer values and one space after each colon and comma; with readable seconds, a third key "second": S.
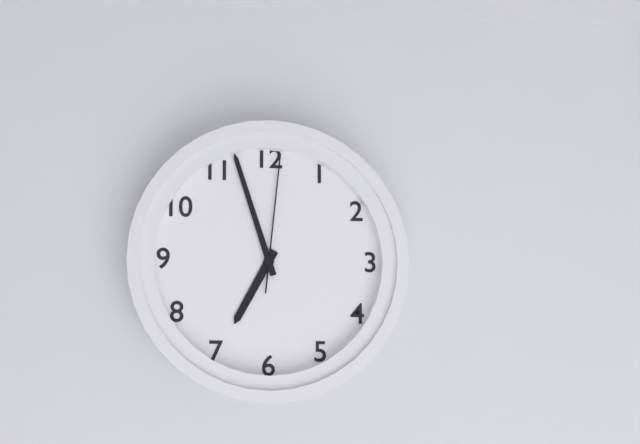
{"hour": 6, "minute": 57, "second": 1}
